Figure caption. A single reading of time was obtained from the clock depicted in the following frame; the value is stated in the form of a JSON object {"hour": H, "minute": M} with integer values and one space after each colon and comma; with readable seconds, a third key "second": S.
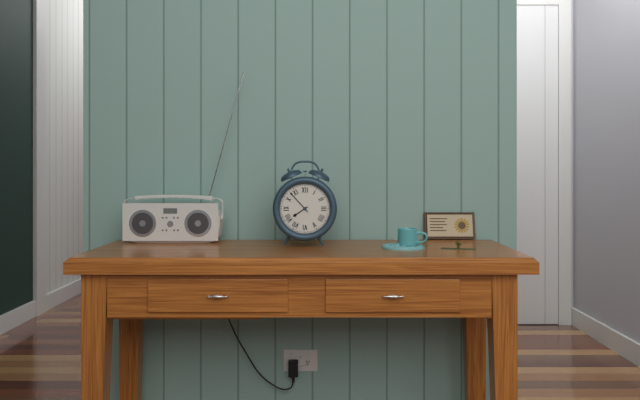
{"hour": 7, "minute": 53}
